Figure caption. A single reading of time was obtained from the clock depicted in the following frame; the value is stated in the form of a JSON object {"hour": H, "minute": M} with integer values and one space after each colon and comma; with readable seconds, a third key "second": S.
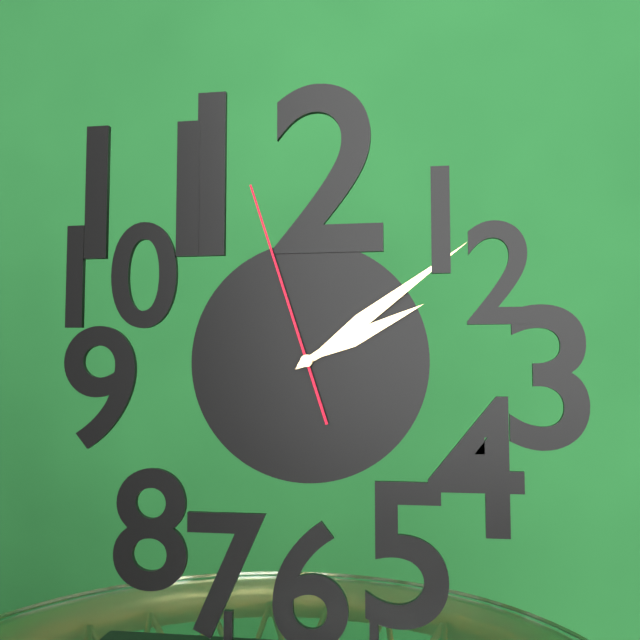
{"hour": 2, "minute": 9, "second": 57}
